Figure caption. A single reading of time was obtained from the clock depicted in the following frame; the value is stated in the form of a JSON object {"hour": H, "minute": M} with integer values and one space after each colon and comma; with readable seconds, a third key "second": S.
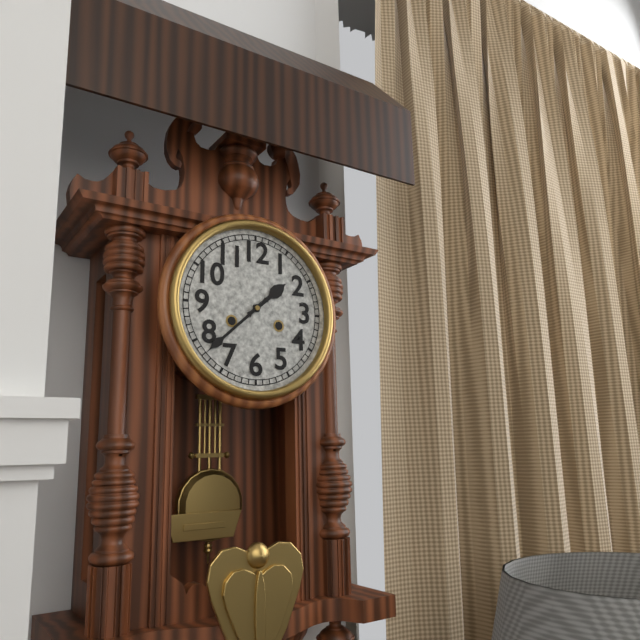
{"hour": 1, "minute": 38}
